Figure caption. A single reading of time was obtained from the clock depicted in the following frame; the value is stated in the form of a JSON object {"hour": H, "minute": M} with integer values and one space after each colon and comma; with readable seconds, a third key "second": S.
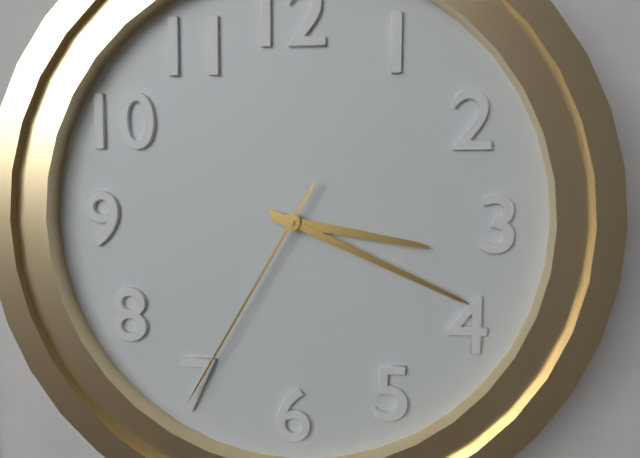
{"hour": 3, "minute": 19, "second": 35}
